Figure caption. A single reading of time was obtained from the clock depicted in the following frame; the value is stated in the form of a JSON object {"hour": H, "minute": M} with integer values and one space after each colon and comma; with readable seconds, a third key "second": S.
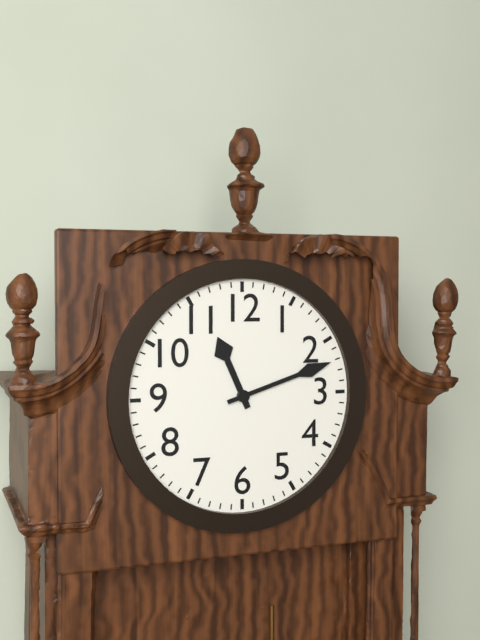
{"hour": 11, "minute": 12}
